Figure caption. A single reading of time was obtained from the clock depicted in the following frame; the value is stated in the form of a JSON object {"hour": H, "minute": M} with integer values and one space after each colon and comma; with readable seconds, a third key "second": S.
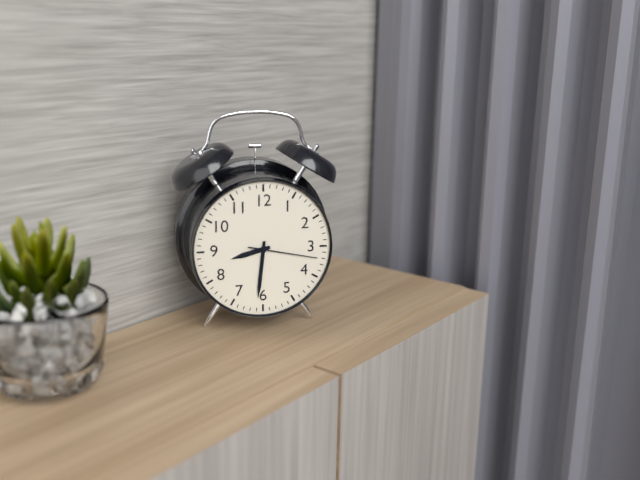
{"hour": 8, "minute": 31, "second": 17}
